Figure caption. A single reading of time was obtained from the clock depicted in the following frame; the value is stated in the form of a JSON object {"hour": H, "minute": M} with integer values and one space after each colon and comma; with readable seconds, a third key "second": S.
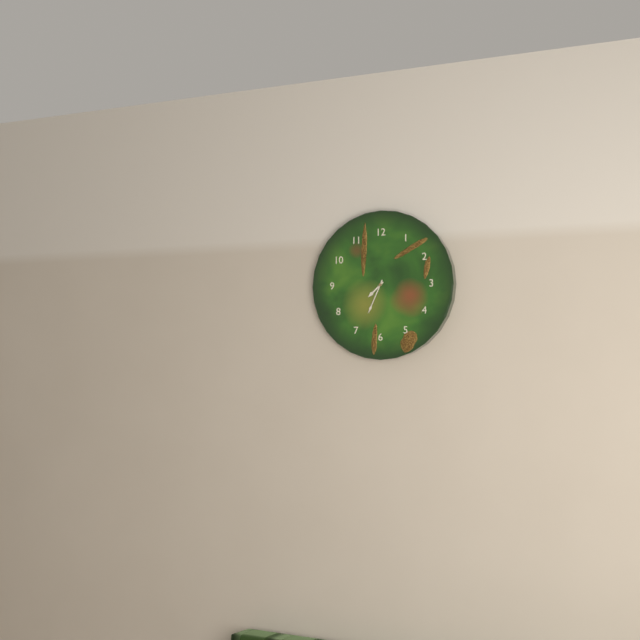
{"hour": 7, "minute": 34}
